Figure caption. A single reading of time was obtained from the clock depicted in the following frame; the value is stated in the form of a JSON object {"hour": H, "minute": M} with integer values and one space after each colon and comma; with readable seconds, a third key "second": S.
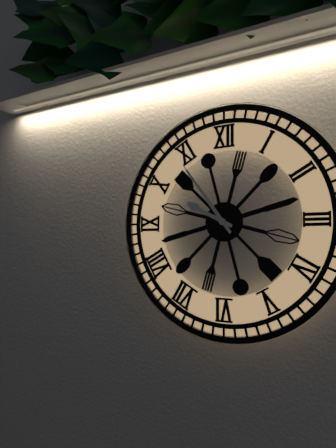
{"hour": 9, "minute": 54}
